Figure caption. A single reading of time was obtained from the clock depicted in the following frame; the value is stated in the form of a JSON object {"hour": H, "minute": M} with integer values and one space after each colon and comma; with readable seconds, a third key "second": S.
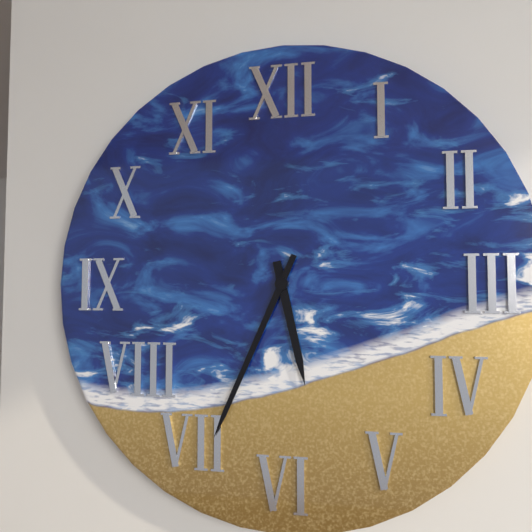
{"hour": 5, "minute": 34}
